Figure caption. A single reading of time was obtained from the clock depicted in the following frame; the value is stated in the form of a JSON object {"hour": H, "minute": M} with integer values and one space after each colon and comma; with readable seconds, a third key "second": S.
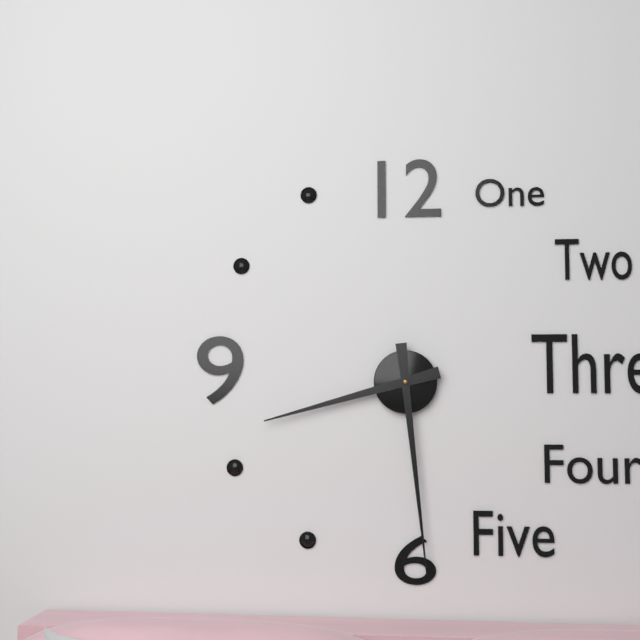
{"hour": 8, "minute": 29}
